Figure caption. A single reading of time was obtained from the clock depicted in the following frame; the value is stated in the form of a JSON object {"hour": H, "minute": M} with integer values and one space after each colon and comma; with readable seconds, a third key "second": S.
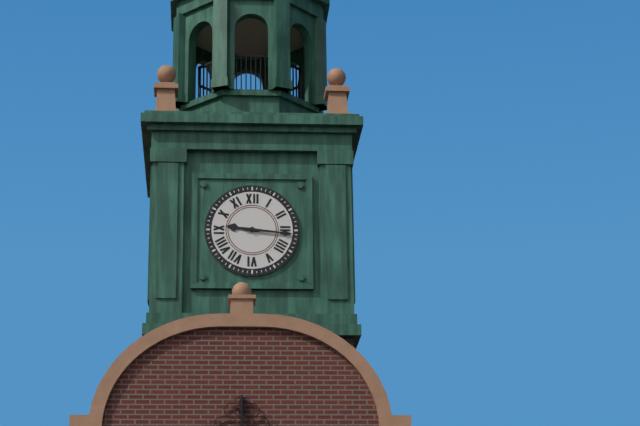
{"hour": 9, "minute": 16}
